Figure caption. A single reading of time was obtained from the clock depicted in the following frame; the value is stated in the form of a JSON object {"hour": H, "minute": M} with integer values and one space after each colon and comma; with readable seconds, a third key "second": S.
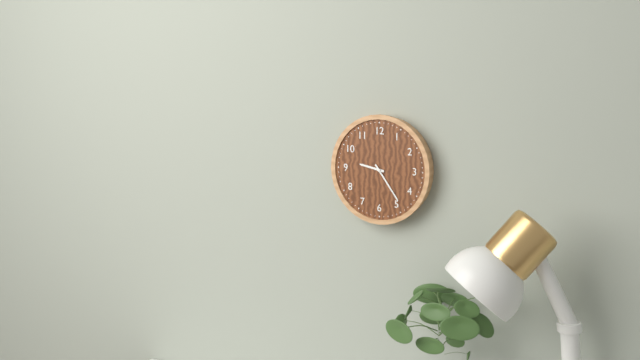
{"hour": 9, "minute": 24}
